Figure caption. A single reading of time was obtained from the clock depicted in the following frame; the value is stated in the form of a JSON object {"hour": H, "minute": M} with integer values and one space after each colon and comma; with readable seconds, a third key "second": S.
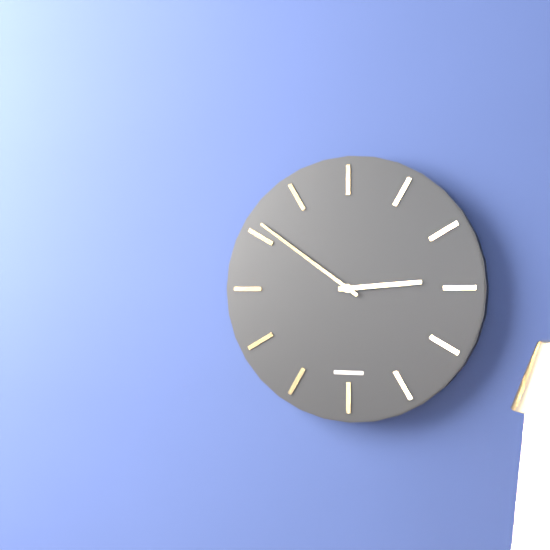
{"hour": 2, "minute": 51}
